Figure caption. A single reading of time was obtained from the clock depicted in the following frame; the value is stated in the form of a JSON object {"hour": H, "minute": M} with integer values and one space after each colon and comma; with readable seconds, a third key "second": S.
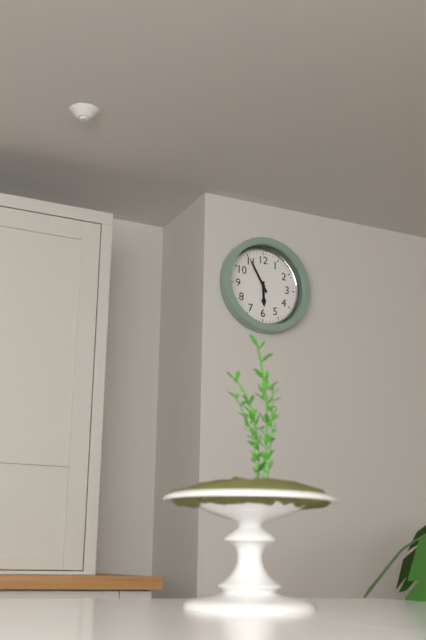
{"hour": 5, "minute": 55}
